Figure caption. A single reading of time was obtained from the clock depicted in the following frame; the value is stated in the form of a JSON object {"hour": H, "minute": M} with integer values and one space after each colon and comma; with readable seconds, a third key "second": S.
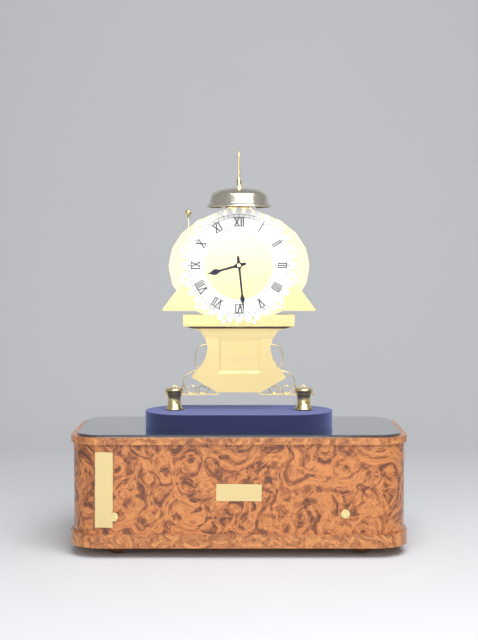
{"hour": 8, "minute": 29}
